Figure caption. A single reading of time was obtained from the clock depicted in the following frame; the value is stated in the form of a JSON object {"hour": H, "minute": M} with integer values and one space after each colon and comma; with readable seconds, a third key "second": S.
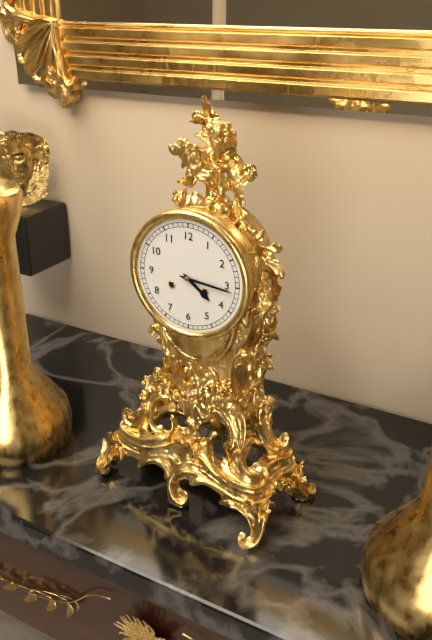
{"hour": 4, "minute": 16}
